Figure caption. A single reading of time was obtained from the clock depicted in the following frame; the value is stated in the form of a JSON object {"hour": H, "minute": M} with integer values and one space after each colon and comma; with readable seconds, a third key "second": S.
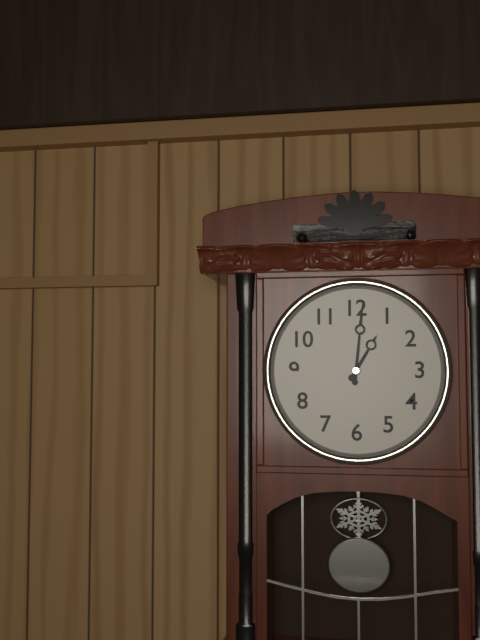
{"hour": 1, "minute": 1}
